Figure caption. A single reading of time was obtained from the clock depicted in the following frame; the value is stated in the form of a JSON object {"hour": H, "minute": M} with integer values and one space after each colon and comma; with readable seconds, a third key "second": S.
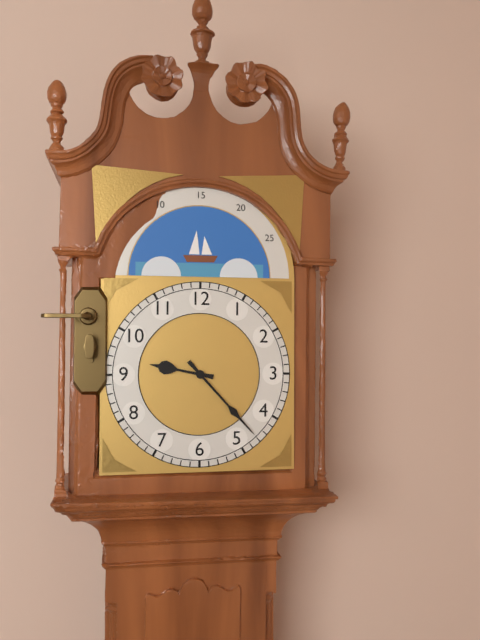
{"hour": 9, "minute": 23}
